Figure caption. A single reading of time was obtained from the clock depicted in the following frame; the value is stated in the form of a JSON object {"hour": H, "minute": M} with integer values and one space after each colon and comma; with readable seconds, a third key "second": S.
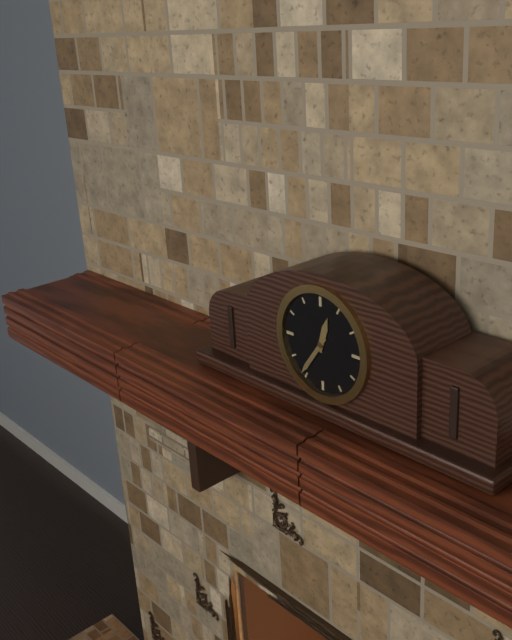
{"hour": 12, "minute": 36}
